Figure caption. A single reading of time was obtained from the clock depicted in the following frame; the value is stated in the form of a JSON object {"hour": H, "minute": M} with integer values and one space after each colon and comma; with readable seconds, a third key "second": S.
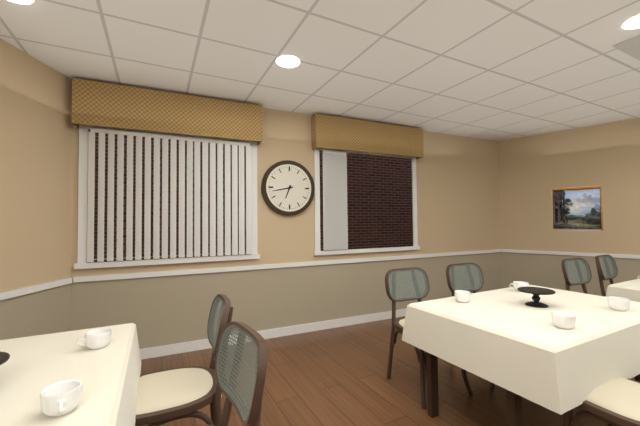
{"hour": 6, "minute": 43}
